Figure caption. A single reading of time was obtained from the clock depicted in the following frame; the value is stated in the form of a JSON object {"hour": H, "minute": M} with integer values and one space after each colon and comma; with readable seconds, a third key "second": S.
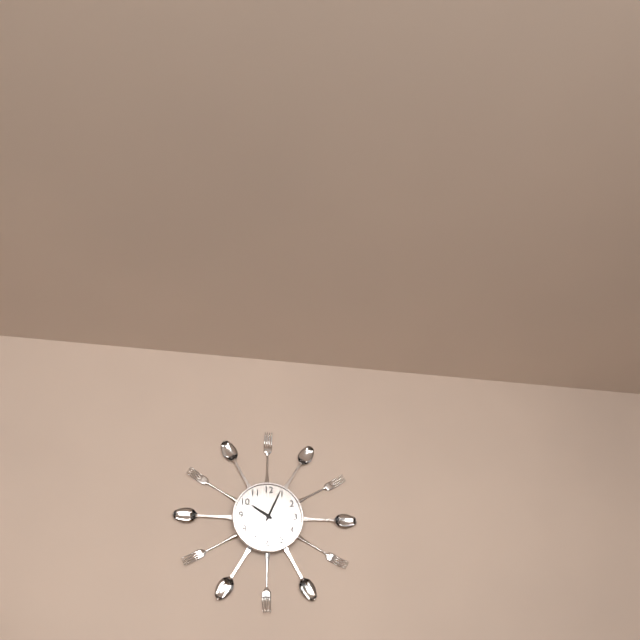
{"hour": 10, "minute": 4}
